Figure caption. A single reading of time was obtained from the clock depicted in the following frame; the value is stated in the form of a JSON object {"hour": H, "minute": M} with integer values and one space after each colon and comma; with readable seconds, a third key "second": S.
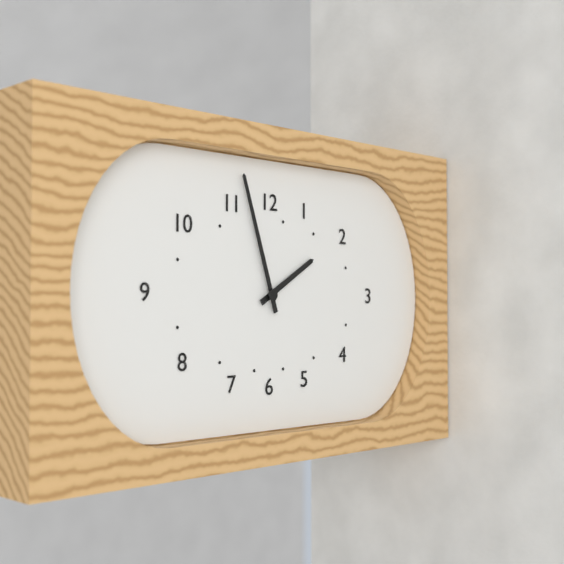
{"hour": 1, "minute": 57}
